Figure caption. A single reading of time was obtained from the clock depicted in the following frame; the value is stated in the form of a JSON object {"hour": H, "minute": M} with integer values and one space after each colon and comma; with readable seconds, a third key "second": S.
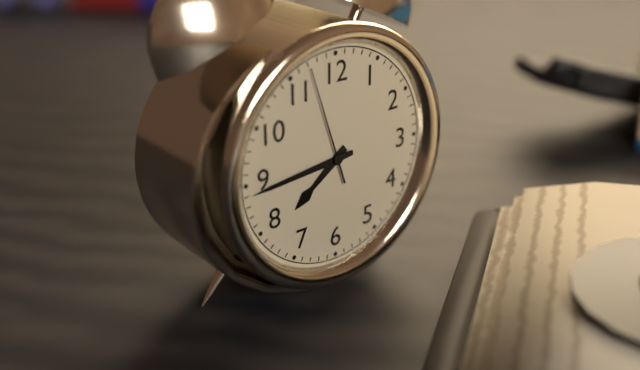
{"hour": 7, "minute": 44, "second": 57}
